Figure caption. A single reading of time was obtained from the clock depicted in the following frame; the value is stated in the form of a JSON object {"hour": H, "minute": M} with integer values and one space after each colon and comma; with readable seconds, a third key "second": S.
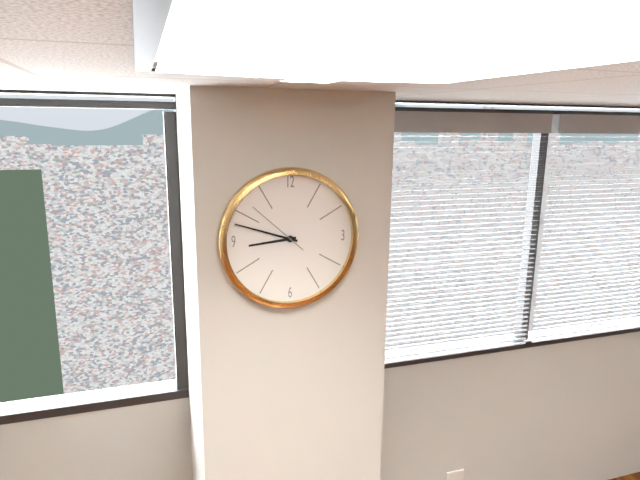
{"hour": 8, "minute": 48, "second": 52}
